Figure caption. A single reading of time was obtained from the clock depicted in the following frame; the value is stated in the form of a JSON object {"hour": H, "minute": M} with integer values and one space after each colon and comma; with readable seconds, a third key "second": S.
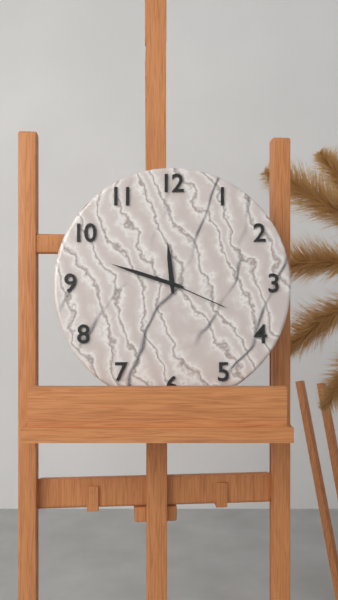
{"hour": 11, "minute": 48, "second": 19}
